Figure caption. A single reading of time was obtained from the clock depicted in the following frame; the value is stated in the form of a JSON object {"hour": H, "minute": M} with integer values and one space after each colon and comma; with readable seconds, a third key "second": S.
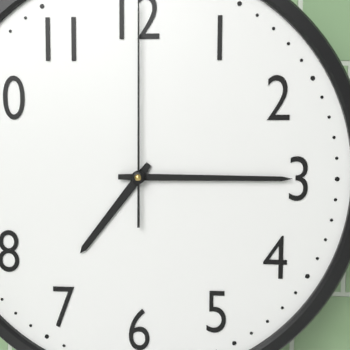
{"hour": 7, "minute": 15}
